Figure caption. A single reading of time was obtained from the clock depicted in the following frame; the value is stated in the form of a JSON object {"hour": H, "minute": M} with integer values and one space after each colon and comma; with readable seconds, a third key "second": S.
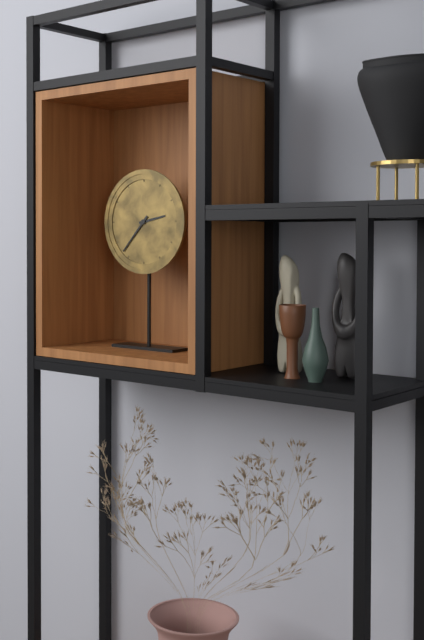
{"hour": 2, "minute": 37}
